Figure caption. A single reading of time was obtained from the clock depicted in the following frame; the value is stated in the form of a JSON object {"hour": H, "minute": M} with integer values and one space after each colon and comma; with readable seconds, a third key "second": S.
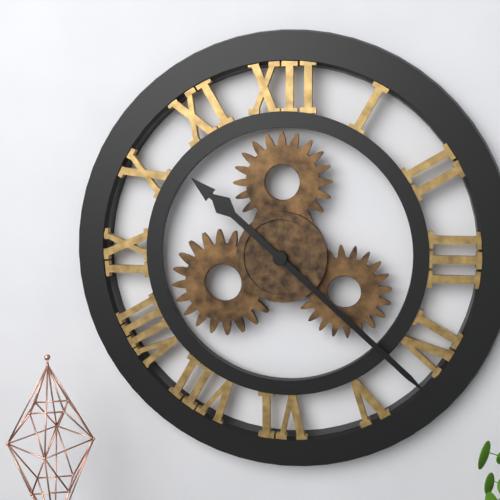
{"hour": 10, "minute": 22}
